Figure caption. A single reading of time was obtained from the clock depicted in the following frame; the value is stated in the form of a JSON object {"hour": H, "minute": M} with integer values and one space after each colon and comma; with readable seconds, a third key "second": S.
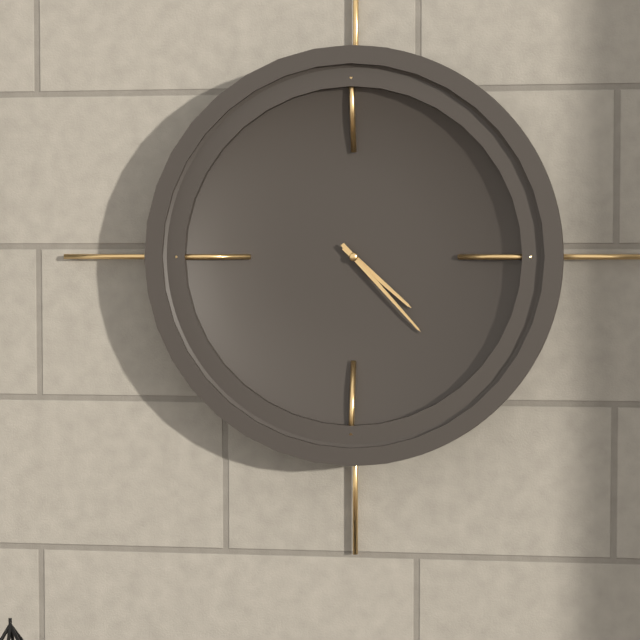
{"hour": 4, "minute": 23}
